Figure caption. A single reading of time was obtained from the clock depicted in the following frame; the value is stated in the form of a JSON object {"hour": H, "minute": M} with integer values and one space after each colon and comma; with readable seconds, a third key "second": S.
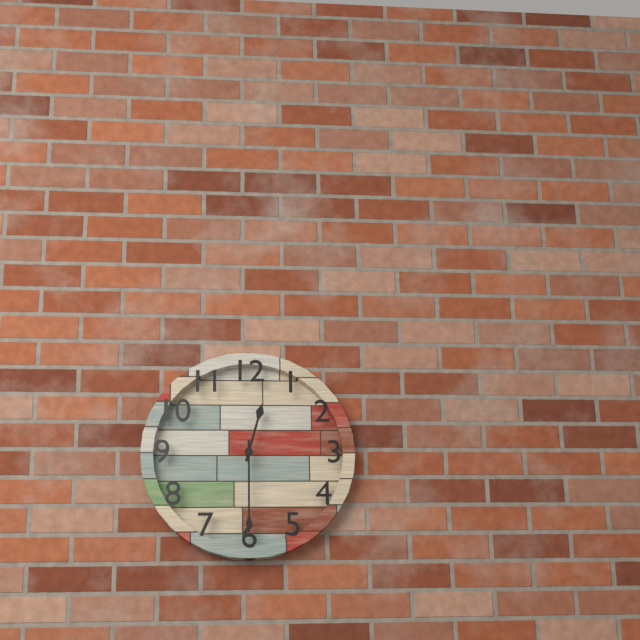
{"hour": 12, "minute": 30}
